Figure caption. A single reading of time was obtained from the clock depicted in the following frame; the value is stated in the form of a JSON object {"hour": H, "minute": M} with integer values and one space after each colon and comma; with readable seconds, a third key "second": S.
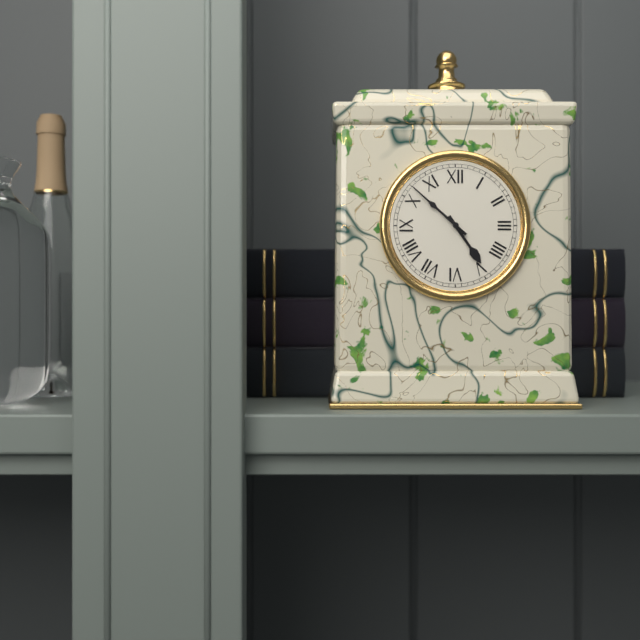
{"hour": 4, "minute": 52}
